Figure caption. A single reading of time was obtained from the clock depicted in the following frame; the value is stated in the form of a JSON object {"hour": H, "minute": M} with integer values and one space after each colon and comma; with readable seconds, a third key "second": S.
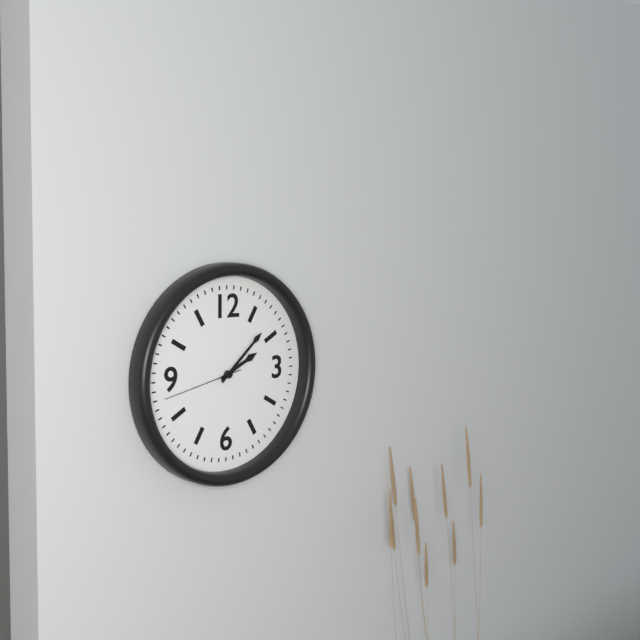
{"hour": 2, "minute": 8, "second": 43}
